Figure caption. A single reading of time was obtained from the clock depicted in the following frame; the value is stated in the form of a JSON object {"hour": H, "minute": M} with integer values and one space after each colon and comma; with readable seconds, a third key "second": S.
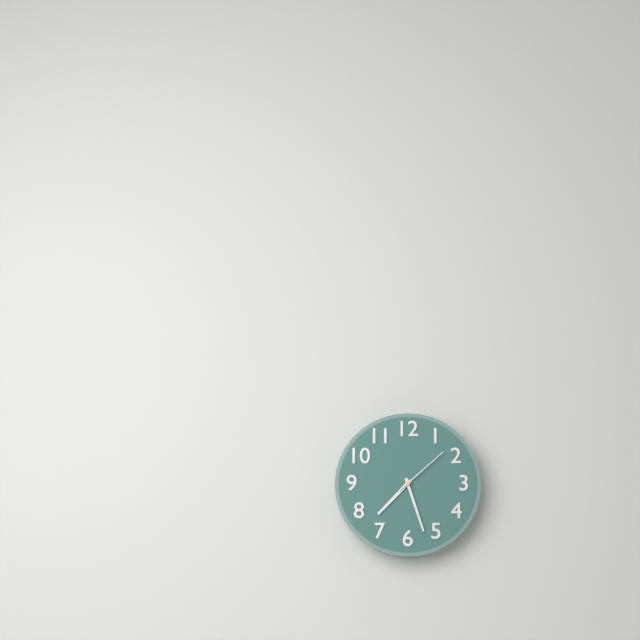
{"hour": 7, "minute": 27, "second": 8}
